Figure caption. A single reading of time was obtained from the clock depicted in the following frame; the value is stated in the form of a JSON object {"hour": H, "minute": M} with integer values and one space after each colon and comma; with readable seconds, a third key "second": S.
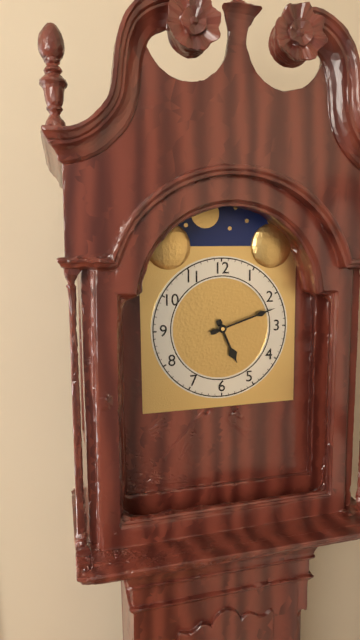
{"hour": 5, "minute": 12}
